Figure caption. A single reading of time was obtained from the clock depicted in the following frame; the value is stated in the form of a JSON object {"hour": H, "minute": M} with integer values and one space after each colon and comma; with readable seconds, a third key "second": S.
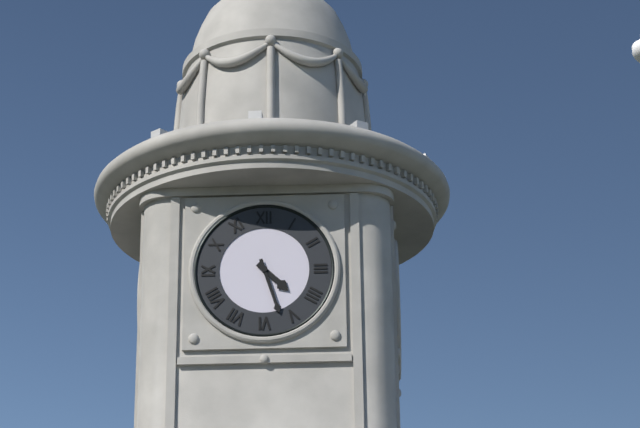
{"hour": 4, "minute": 27}
